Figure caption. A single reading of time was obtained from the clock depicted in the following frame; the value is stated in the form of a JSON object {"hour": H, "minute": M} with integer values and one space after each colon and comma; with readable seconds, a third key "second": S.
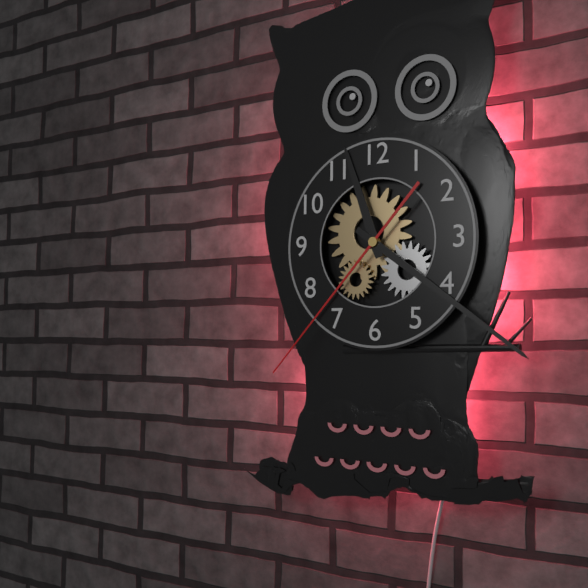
{"hour": 11, "minute": 21, "second": 37}
